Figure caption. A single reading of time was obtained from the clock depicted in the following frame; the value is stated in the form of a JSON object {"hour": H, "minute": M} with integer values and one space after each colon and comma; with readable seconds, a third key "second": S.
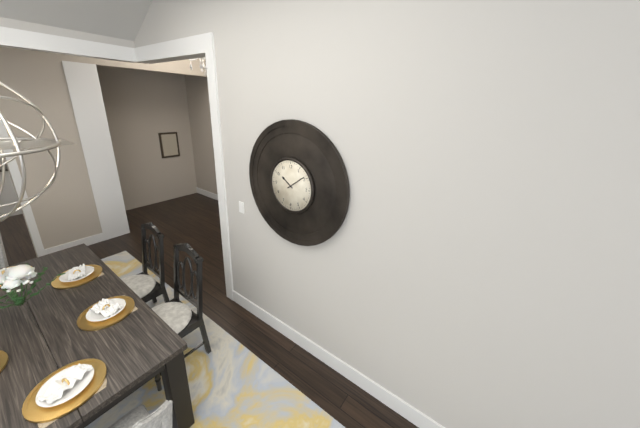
{"hour": 10, "minute": 9}
